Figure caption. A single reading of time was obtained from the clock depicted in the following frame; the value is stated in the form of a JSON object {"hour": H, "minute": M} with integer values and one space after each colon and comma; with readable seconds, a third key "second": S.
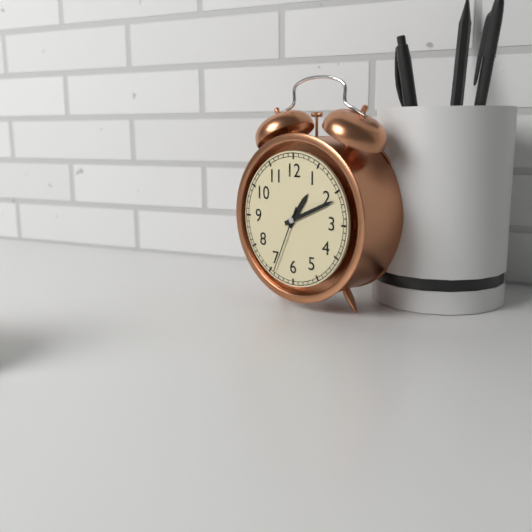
{"hour": 1, "minute": 11, "second": 34}
